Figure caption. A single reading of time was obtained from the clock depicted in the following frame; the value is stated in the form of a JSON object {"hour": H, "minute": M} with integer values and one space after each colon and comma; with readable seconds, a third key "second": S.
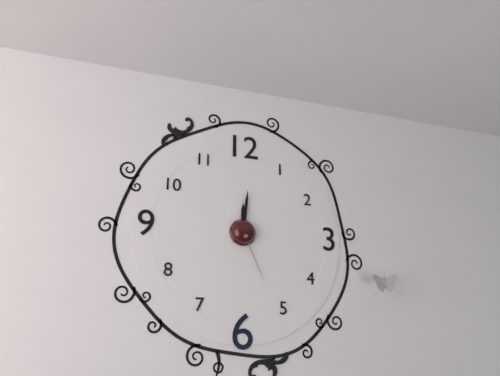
{"hour": 12, "minute": 1, "second": 26}
